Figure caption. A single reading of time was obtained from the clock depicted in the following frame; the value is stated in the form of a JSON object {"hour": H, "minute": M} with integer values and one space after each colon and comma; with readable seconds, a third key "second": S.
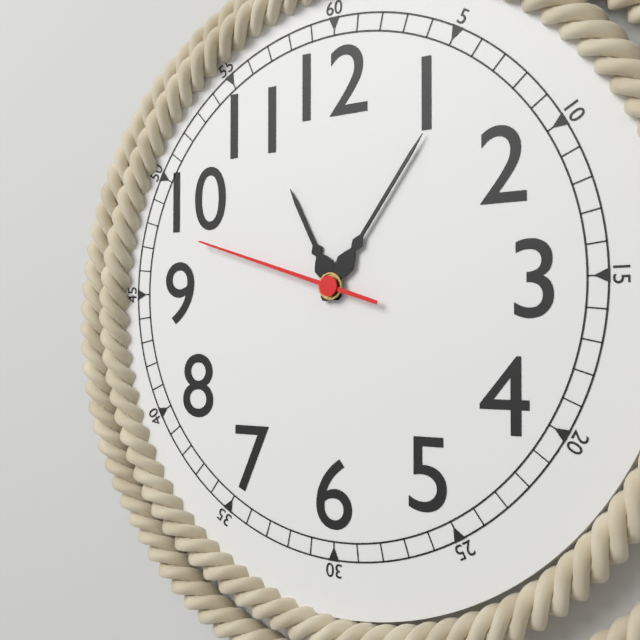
{"hour": 11, "minute": 6, "second": 48}
